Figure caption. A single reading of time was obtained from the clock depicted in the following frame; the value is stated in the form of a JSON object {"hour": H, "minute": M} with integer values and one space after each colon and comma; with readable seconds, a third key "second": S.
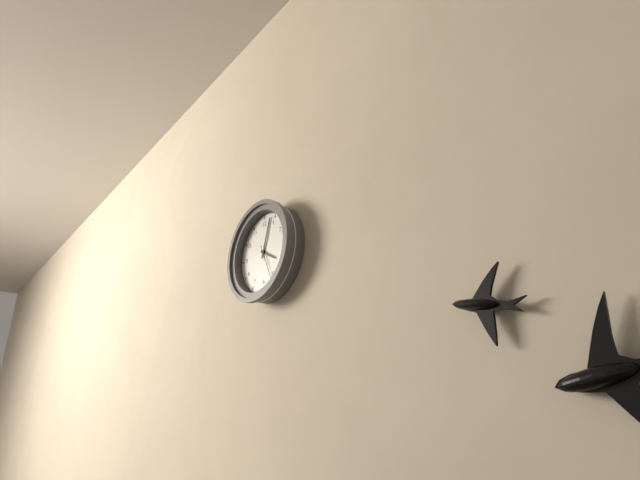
{"hour": 4, "minute": 3}
